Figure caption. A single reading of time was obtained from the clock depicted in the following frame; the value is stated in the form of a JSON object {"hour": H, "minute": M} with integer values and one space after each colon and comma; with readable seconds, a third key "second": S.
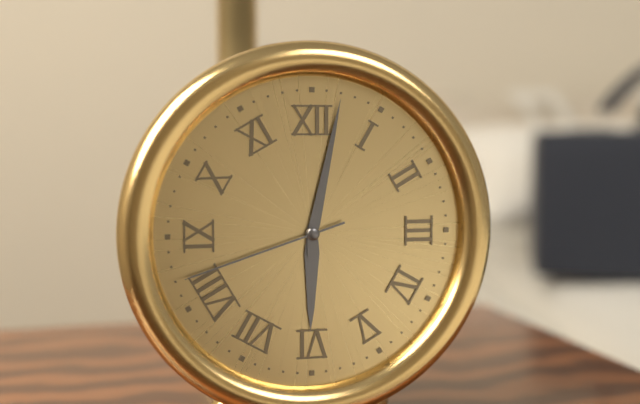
{"hour": 6, "minute": 2, "second": 42}
